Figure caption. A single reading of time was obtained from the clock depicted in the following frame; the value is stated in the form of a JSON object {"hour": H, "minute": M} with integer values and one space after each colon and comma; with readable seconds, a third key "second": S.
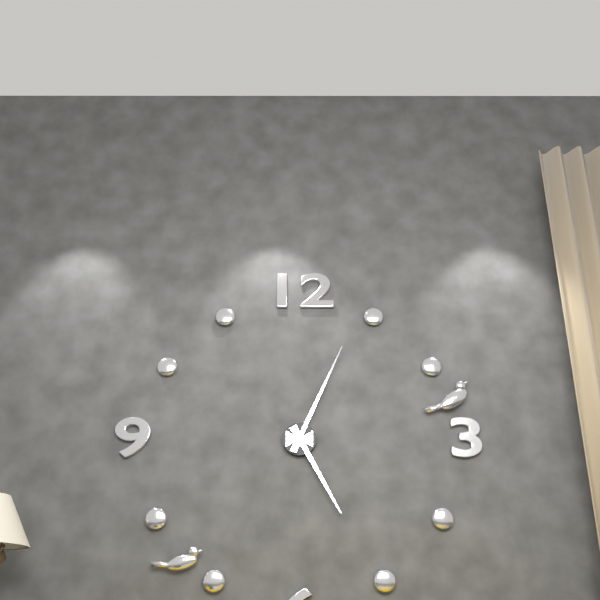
{"hour": 5, "minute": 4}
